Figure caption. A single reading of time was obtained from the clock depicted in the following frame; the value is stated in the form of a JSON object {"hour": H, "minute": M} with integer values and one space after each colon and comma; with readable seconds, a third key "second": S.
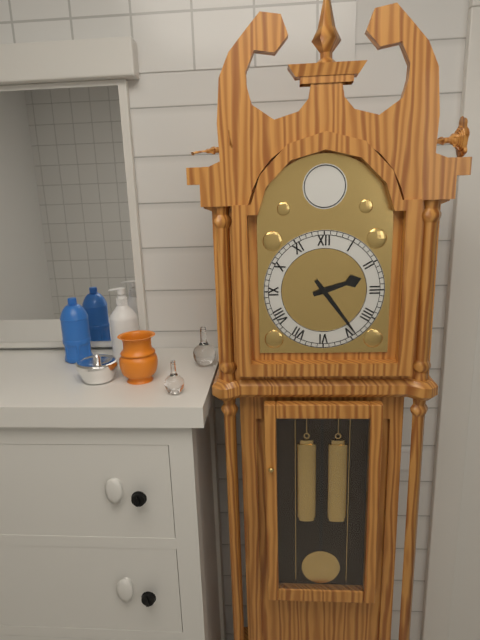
{"hour": 2, "minute": 24}
